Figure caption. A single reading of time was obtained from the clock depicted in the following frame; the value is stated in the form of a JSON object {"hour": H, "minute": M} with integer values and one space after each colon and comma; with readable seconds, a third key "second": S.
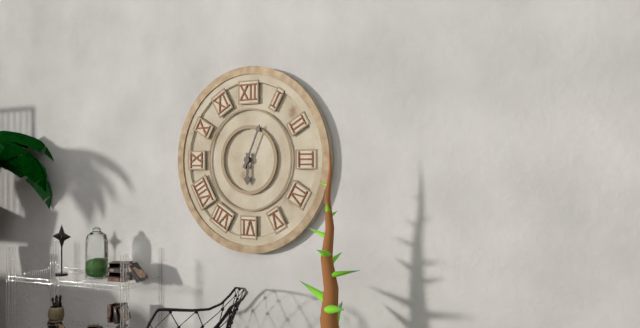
{"hour": 6, "minute": 4}
